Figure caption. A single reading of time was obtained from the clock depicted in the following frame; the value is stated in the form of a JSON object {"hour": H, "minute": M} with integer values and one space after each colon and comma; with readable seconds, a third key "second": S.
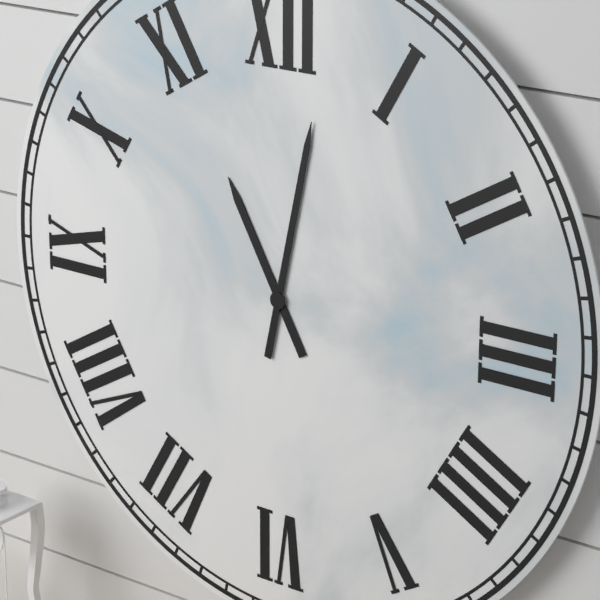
{"hour": 11, "minute": 2}
